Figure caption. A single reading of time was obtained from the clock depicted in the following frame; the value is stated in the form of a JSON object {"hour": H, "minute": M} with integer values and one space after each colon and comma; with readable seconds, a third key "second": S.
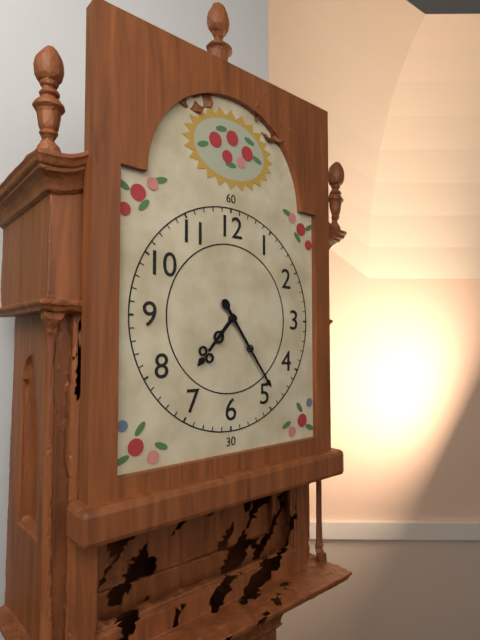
{"hour": 7, "minute": 24}
